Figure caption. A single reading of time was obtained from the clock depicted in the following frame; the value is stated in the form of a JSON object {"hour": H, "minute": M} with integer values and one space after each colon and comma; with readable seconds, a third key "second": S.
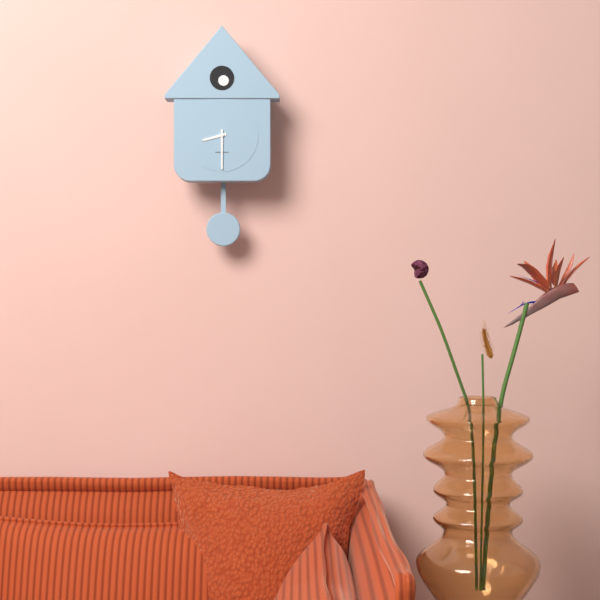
{"hour": 8, "minute": 30}
